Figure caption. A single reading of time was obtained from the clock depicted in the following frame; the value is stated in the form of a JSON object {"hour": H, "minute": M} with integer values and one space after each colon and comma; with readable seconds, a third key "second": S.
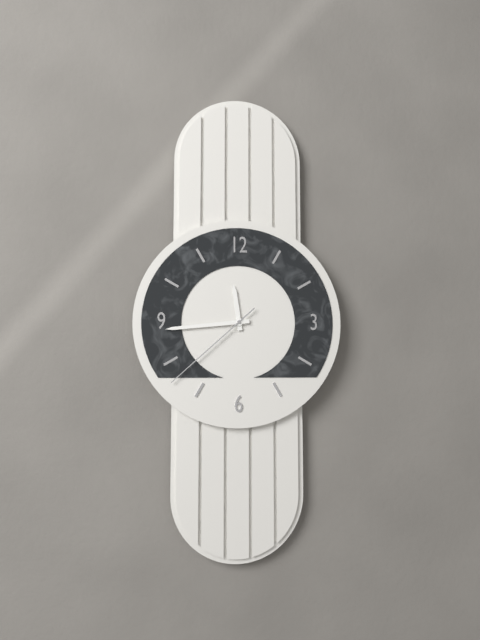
{"hour": 11, "minute": 44, "second": 38}
